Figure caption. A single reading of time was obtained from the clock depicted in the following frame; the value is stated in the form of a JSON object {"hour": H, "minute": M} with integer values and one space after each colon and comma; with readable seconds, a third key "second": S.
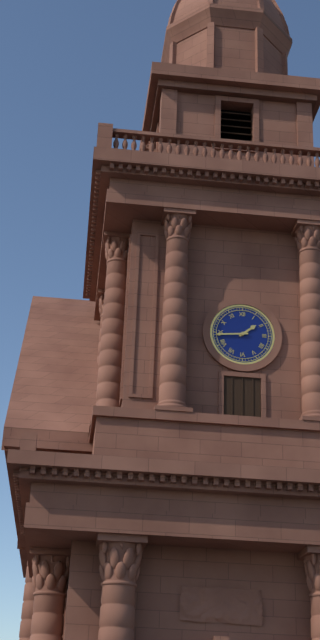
{"hour": 1, "minute": 44}
